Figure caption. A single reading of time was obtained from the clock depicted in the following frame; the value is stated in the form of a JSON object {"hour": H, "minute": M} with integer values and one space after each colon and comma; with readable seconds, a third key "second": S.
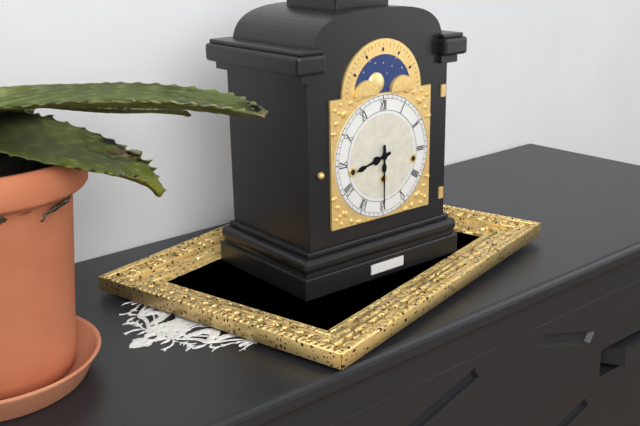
{"hour": 8, "minute": 30}
